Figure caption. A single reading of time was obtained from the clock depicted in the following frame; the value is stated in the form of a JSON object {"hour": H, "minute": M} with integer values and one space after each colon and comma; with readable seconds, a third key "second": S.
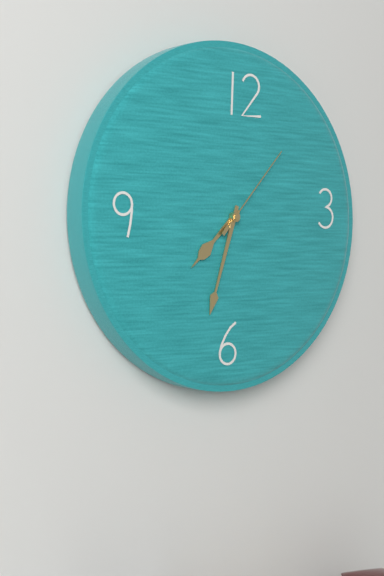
{"hour": 7, "minute": 33, "second": 7}
